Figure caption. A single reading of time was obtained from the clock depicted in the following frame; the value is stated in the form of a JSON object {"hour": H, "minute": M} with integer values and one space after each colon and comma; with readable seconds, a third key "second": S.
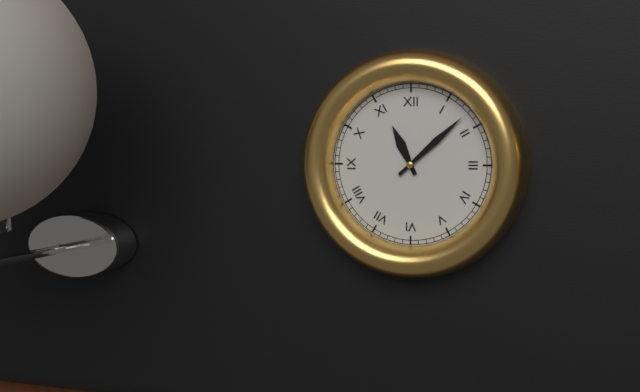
{"hour": 11, "minute": 8}
